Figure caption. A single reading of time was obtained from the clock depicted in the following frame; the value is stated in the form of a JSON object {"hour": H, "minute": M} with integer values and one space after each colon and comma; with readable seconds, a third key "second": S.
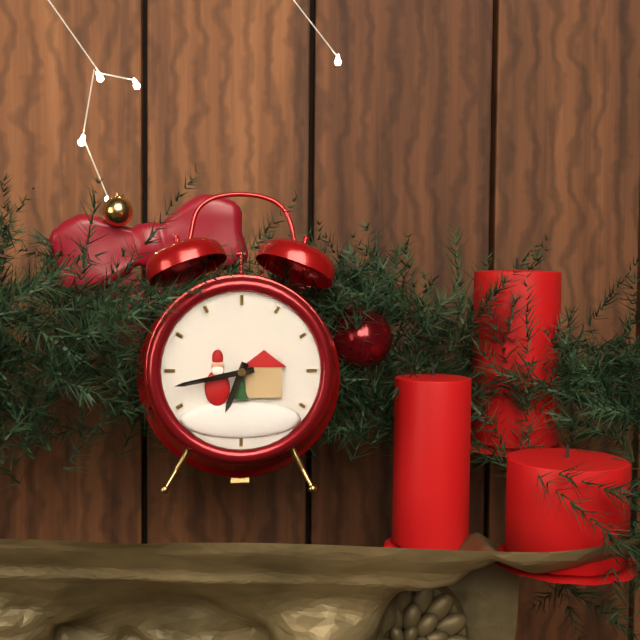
{"hour": 6, "minute": 43}
